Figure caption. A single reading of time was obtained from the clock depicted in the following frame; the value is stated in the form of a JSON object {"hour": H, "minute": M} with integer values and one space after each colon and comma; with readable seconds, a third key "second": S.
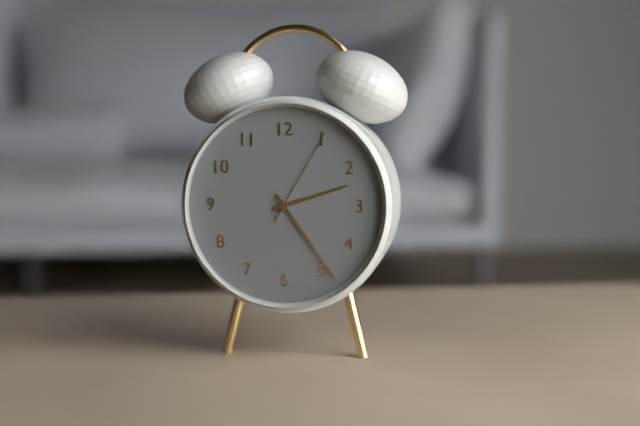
{"hour": 2, "minute": 24, "second": 5}
